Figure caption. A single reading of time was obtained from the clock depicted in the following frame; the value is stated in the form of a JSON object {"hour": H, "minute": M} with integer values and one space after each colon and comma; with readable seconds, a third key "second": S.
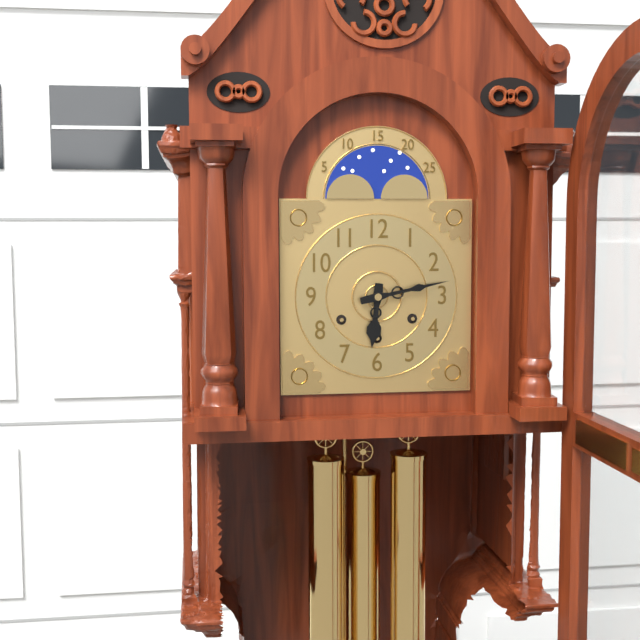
{"hour": 6, "minute": 13}
